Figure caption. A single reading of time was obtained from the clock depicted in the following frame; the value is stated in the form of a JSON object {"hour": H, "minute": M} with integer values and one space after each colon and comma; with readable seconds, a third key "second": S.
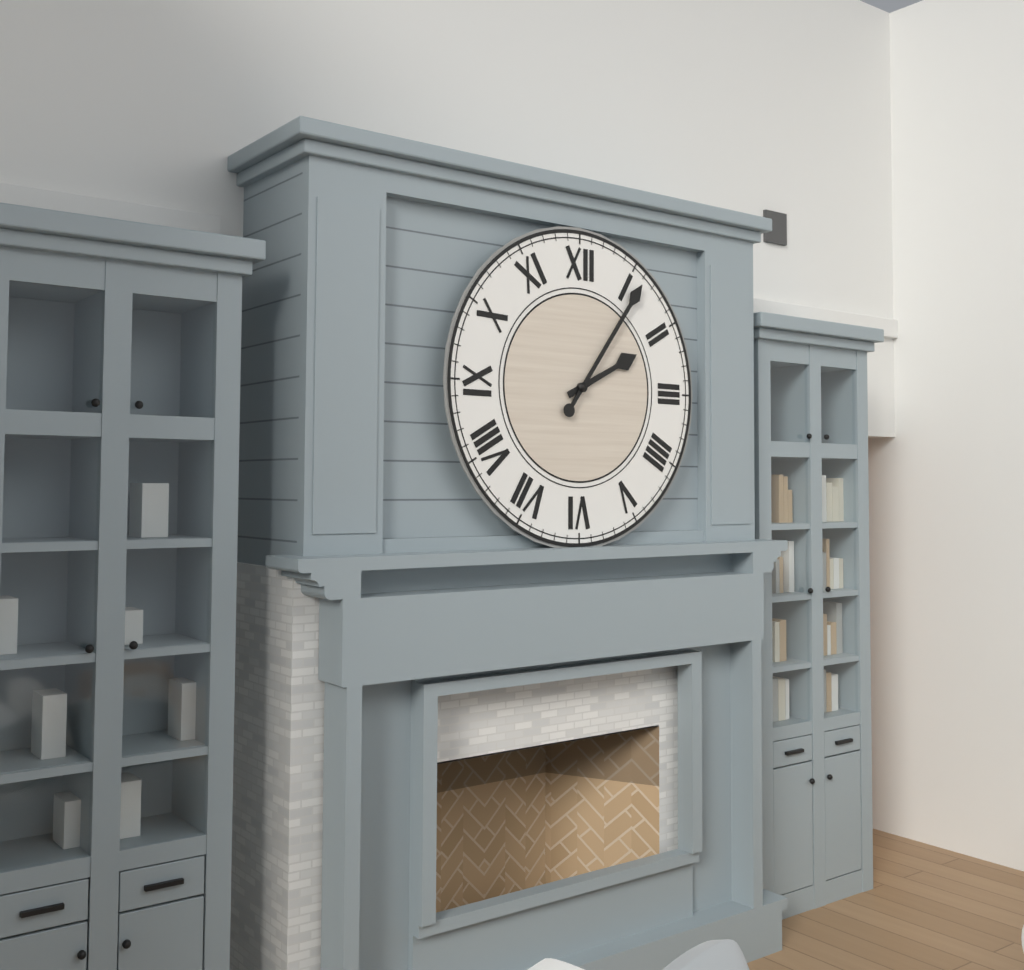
{"hour": 2, "minute": 6}
